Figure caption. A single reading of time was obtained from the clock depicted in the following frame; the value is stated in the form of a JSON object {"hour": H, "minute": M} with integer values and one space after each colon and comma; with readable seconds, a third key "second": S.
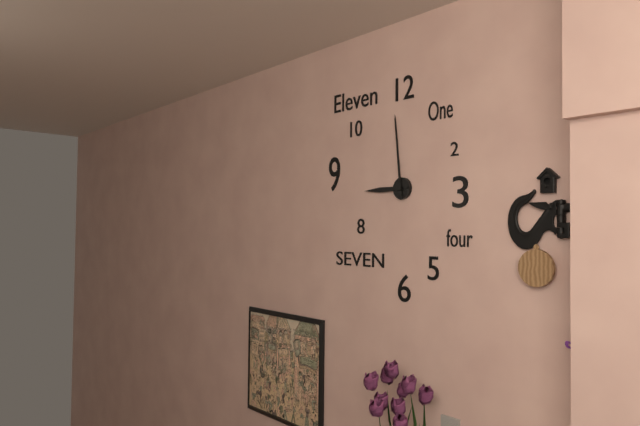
{"hour": 8, "minute": 59}
